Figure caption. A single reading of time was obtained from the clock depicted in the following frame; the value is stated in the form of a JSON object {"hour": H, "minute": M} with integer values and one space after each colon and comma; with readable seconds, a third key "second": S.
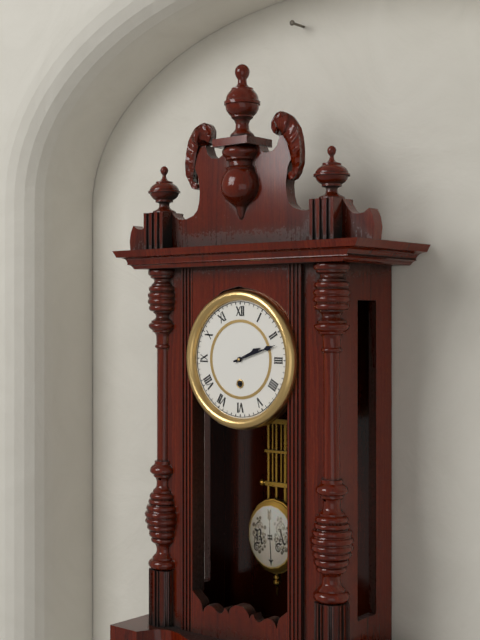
{"hour": 2, "minute": 12}
